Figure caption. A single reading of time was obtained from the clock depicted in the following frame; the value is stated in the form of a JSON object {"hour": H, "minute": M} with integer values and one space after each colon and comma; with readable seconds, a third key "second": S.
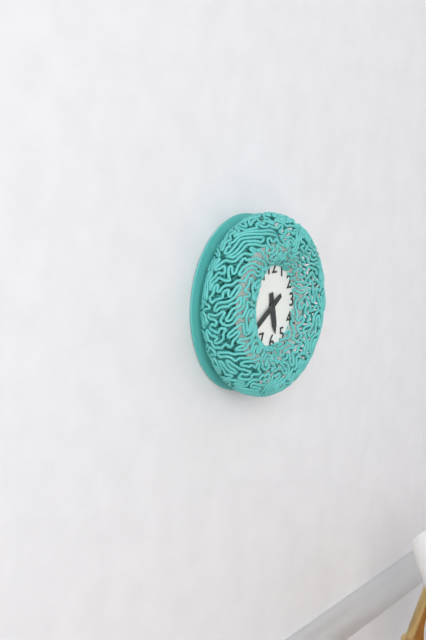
{"hour": 5, "minute": 40}
